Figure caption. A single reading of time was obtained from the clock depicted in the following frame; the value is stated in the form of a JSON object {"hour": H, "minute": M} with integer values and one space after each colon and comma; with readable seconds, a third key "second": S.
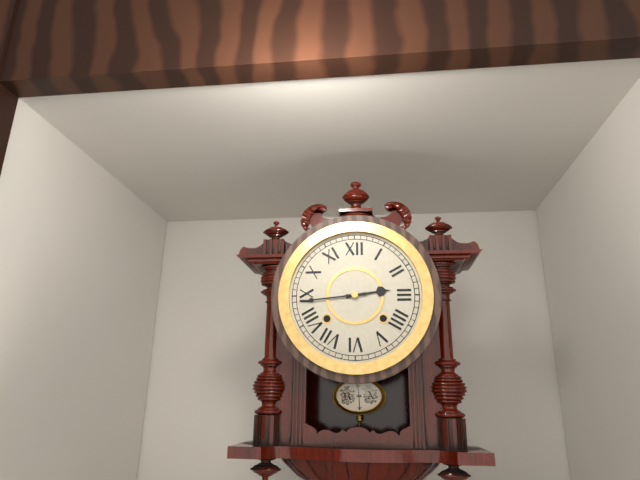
{"hour": 2, "minute": 44}
